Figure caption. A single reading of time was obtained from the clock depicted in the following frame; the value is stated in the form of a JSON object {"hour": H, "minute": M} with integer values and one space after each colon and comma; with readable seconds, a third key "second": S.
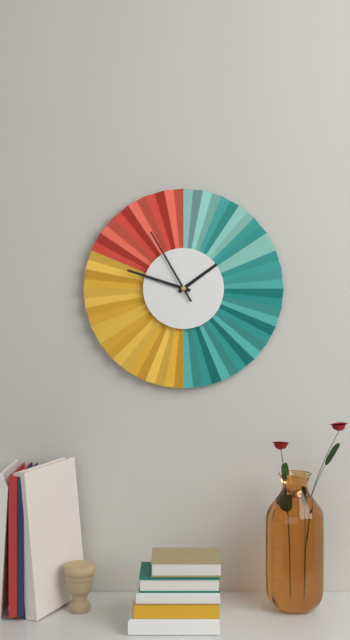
{"hour": 1, "minute": 48, "second": 55}
